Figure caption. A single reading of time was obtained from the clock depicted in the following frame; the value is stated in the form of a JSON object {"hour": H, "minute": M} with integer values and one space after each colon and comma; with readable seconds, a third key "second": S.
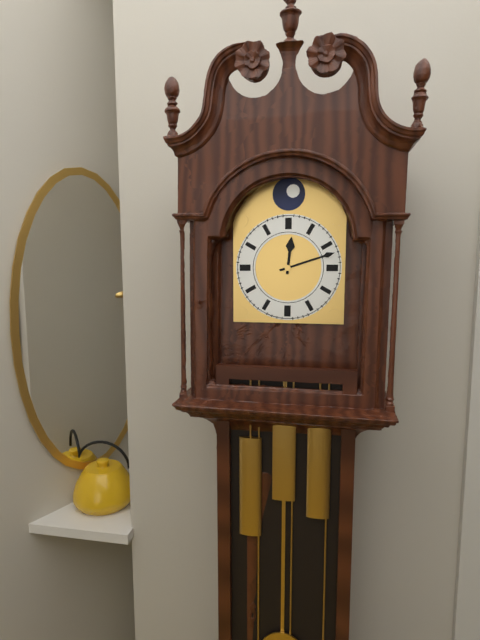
{"hour": 12, "minute": 12}
